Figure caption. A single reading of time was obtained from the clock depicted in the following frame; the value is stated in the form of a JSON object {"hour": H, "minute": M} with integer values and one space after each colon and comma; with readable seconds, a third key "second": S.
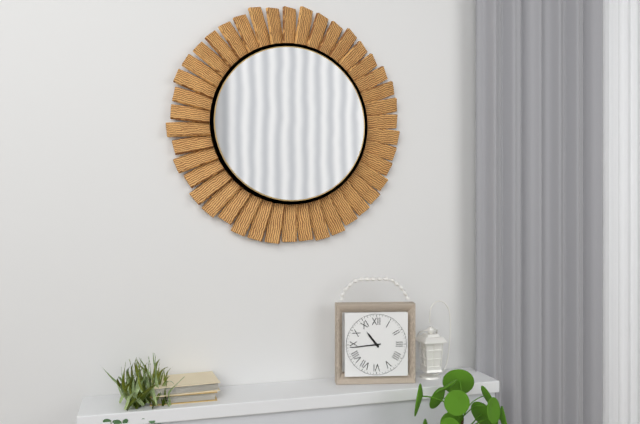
{"hour": 10, "minute": 44}
